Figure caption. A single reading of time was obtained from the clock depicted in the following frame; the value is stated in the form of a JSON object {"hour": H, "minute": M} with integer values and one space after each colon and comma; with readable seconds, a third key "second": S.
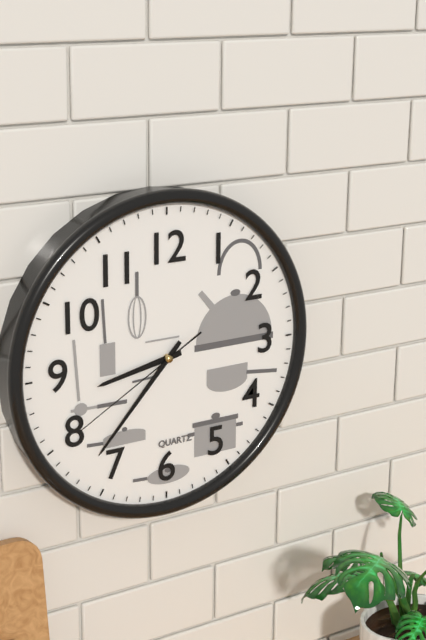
{"hour": 8, "minute": 37, "second": 40}
